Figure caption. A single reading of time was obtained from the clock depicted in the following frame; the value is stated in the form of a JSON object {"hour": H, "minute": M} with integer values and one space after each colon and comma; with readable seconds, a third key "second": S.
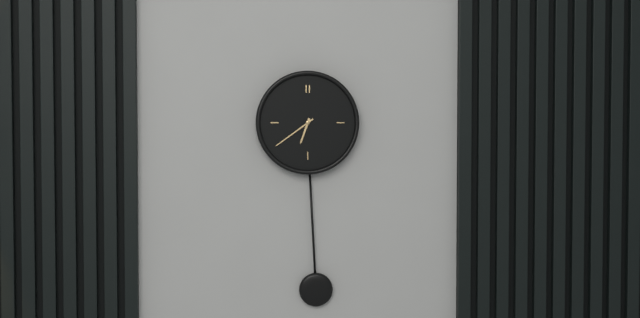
{"hour": 6, "minute": 39}
